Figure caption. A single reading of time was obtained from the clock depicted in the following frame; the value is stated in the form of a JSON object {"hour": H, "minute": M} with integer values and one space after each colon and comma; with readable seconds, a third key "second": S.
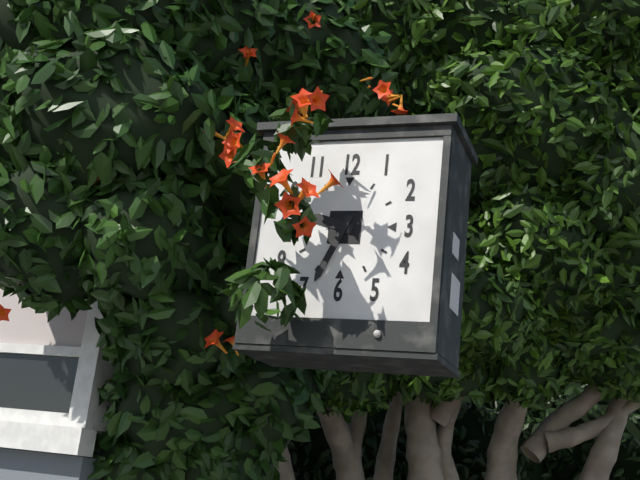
{"hour": 9, "minute": 34}
